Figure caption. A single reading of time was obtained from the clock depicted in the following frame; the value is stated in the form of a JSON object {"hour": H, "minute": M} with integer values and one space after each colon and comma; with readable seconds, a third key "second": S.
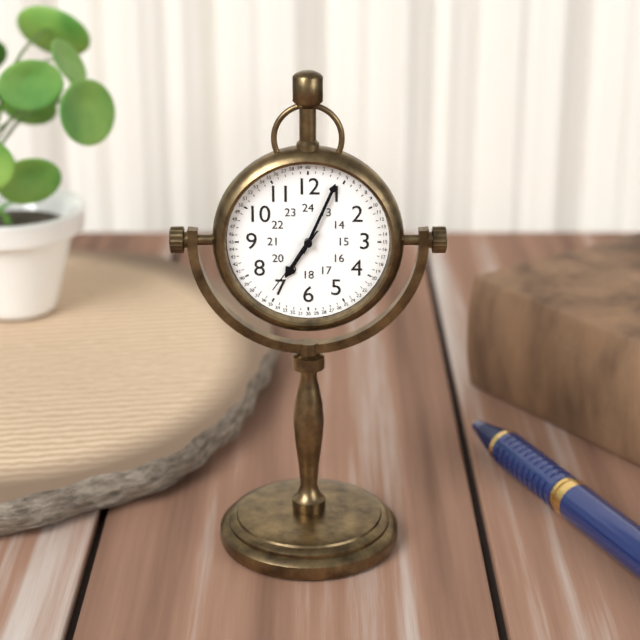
{"hour": 7, "minute": 4, "second": 36}
